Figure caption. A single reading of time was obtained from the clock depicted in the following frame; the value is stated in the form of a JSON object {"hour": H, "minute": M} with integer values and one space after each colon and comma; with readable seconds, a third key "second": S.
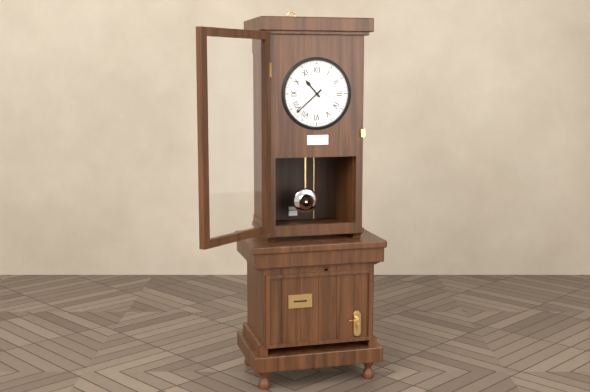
{"hour": 10, "minute": 38}
